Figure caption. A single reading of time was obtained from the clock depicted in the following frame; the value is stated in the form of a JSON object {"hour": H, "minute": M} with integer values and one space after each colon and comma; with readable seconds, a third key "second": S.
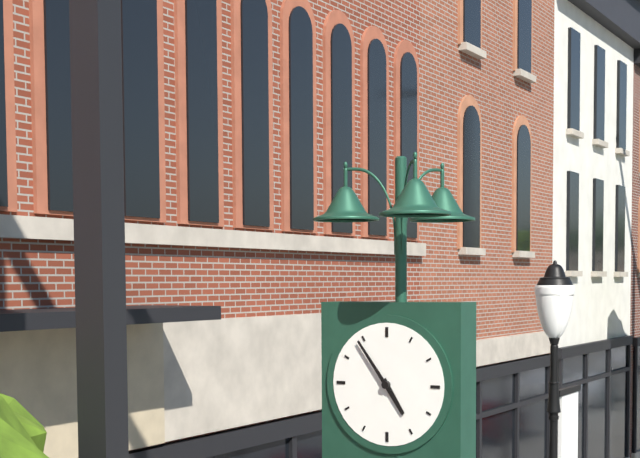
{"hour": 4, "minute": 54}
